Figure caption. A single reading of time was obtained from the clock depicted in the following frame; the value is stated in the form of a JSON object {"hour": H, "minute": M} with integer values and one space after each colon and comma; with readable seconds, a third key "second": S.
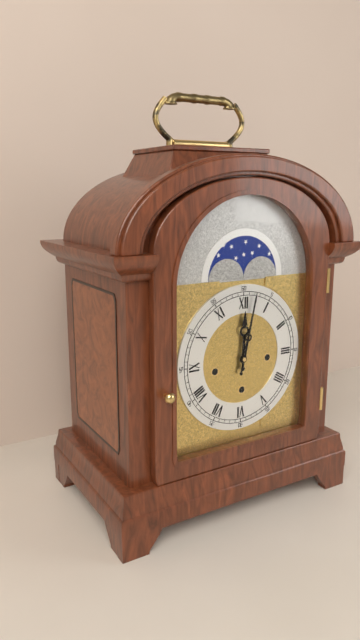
{"hour": 12, "minute": 2}
